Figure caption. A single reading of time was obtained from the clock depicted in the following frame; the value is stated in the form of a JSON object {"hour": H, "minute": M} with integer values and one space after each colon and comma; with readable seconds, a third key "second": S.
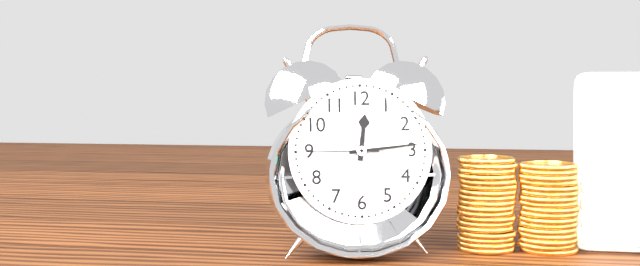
{"hour": 12, "minute": 14, "second": 45}
